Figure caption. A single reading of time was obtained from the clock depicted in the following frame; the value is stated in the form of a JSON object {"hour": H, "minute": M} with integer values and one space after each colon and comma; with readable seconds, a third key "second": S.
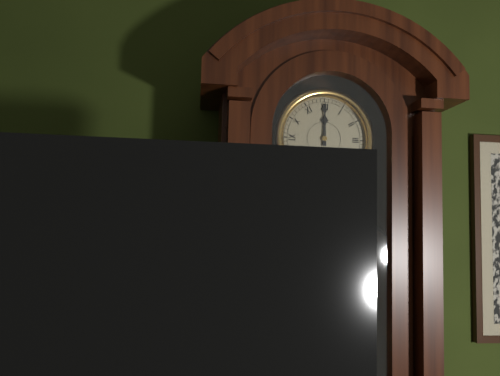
{"hour": 12, "minute": 0}
